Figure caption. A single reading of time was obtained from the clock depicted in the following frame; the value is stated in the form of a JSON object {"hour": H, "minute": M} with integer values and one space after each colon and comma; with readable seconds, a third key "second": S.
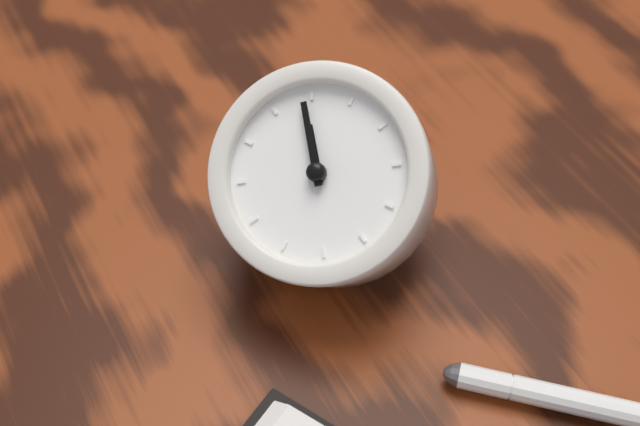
{"hour": 9, "minute": 49}
